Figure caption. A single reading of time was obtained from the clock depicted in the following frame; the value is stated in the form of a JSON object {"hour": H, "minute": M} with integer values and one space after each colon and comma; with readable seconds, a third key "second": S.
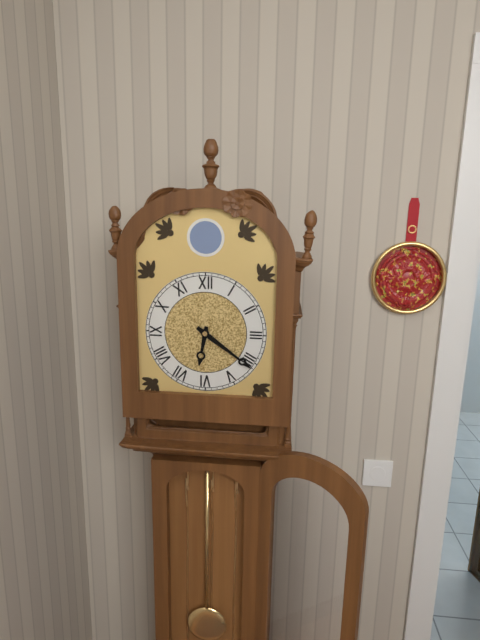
{"hour": 6, "minute": 21}
